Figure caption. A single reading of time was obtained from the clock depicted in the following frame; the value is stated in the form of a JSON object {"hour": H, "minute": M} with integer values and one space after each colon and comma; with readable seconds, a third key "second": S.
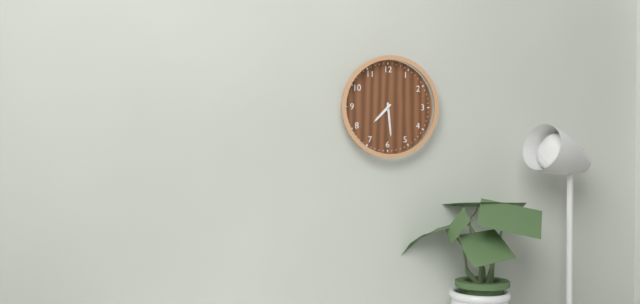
{"hour": 7, "minute": 29}
